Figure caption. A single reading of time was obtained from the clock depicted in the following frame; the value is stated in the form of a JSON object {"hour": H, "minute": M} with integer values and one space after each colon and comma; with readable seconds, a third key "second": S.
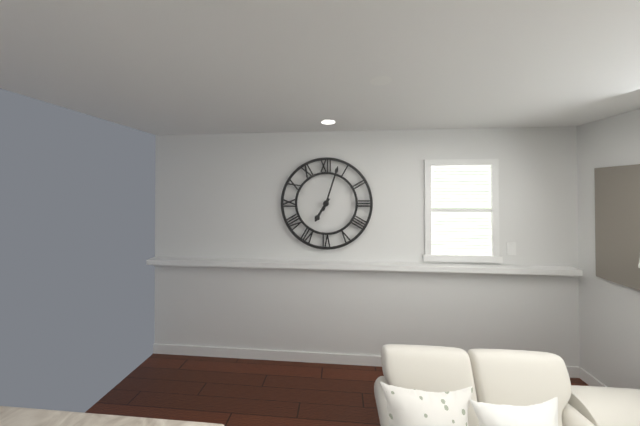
{"hour": 7, "minute": 3}
